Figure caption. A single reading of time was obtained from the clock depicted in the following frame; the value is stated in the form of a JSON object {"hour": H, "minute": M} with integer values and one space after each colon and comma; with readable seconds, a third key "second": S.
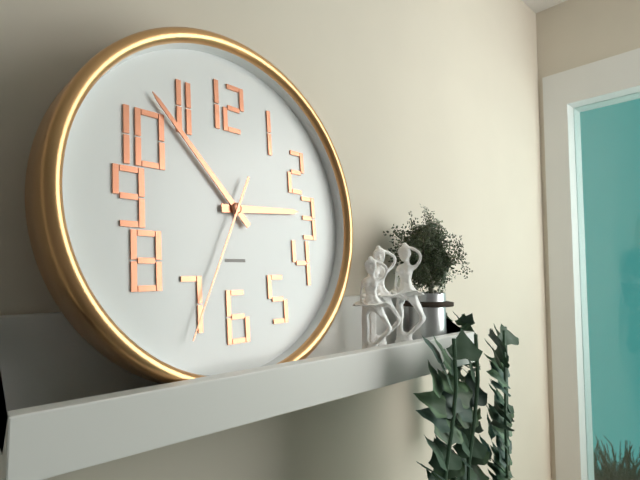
{"hour": 2, "minute": 53, "second": 34}
